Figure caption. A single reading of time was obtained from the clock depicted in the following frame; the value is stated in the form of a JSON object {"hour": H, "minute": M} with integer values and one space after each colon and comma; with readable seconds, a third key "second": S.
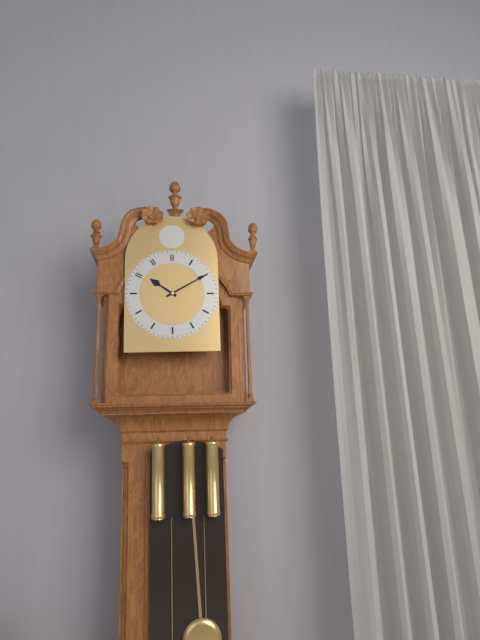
{"hour": 10, "minute": 10}
